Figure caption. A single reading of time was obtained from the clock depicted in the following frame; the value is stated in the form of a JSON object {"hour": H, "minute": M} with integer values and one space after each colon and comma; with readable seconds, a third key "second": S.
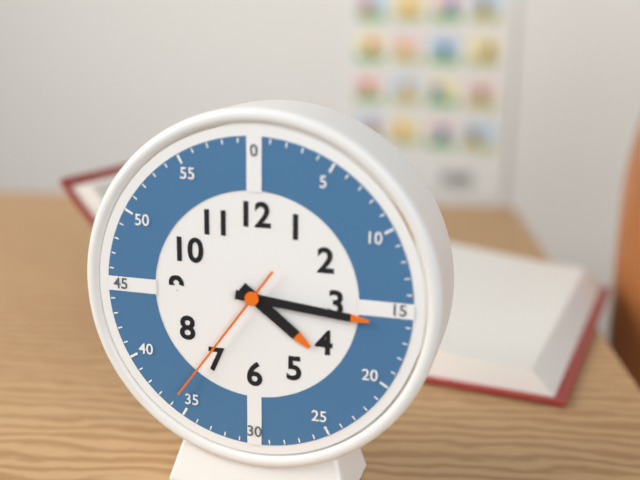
{"hour": 4, "minute": 16, "second": 36}
